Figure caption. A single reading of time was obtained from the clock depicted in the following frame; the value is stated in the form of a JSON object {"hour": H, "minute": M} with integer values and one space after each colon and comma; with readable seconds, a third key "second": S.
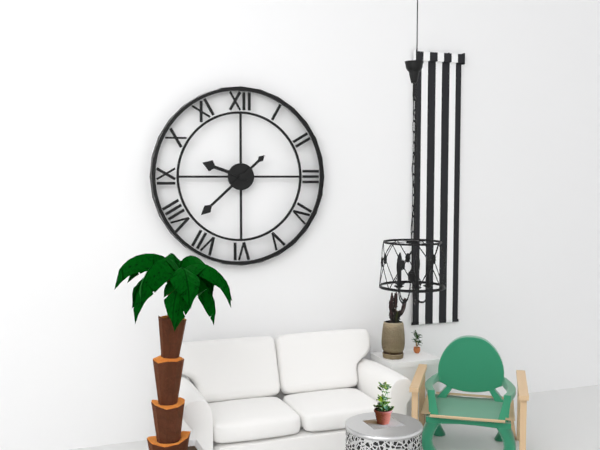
{"hour": 9, "minute": 38}
